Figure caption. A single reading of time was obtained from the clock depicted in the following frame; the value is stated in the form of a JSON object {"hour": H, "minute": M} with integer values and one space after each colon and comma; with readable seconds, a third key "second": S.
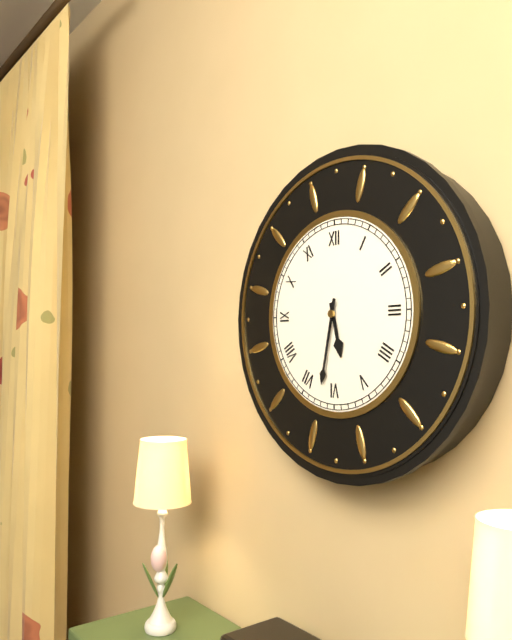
{"hour": 5, "minute": 32}
